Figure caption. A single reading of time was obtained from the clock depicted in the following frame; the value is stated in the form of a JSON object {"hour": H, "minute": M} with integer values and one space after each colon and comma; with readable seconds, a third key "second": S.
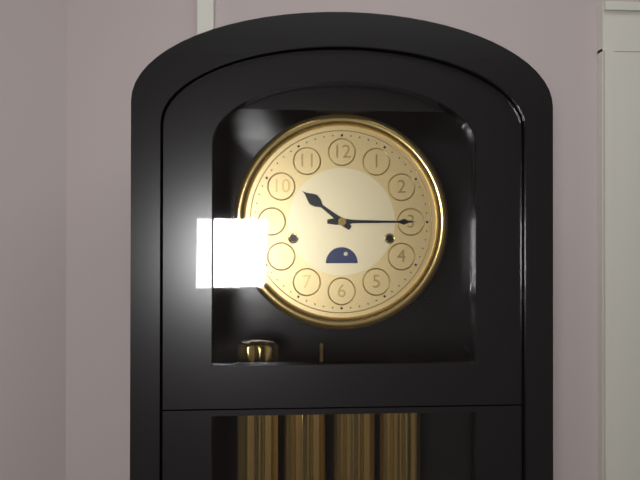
{"hour": 10, "minute": 15}
